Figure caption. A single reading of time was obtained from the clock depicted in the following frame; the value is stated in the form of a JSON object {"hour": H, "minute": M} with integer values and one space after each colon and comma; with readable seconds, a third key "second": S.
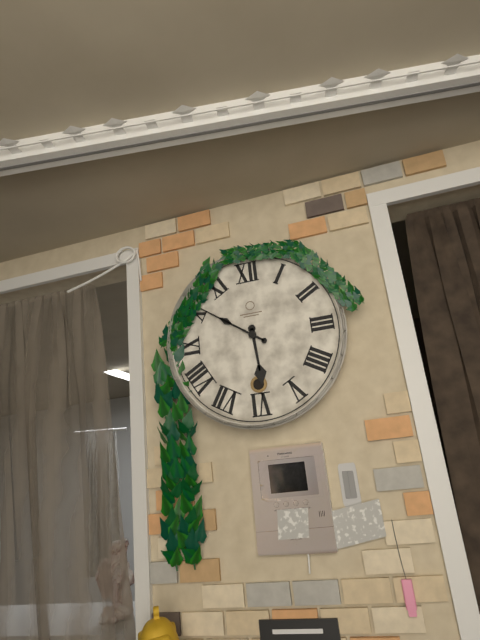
{"hour": 5, "minute": 51}
